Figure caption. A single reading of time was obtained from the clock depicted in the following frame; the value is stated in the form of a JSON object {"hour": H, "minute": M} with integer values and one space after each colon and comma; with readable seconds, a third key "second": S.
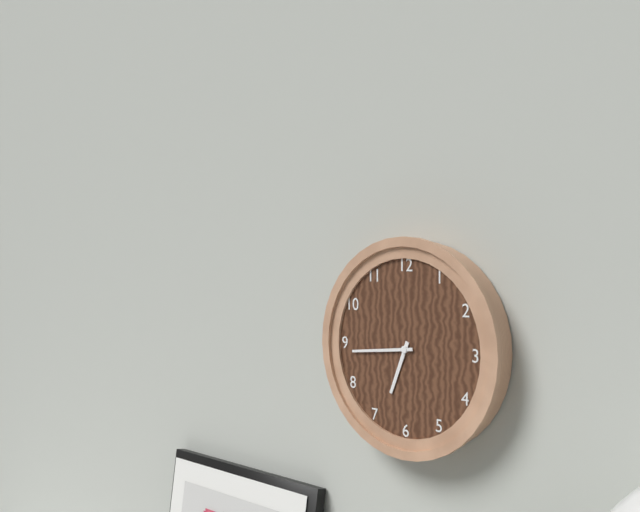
{"hour": 6, "minute": 44}
